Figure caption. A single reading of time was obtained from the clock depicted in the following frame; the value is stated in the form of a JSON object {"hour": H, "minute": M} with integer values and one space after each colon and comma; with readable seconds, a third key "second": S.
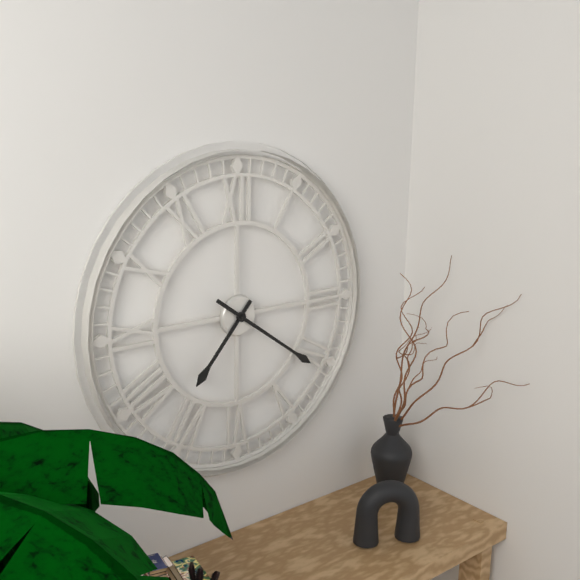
{"hour": 7, "minute": 21}
